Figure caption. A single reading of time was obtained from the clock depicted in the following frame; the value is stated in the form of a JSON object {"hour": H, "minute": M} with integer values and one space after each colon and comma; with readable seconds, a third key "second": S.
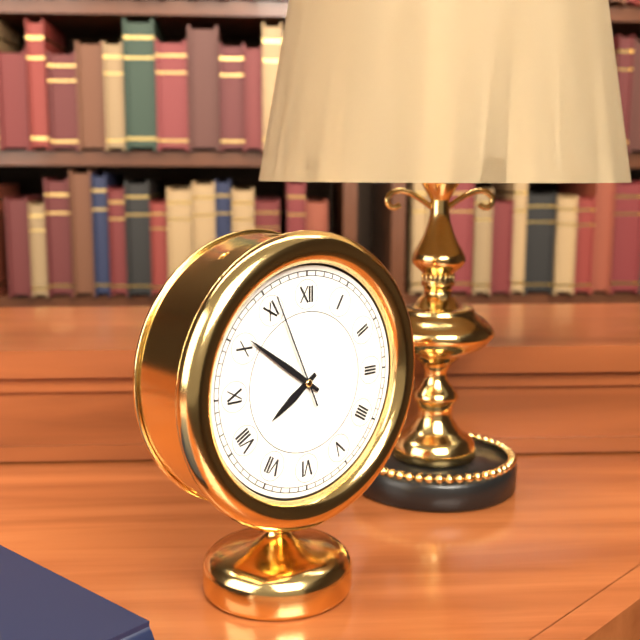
{"hour": 7, "minute": 51, "second": 56}
